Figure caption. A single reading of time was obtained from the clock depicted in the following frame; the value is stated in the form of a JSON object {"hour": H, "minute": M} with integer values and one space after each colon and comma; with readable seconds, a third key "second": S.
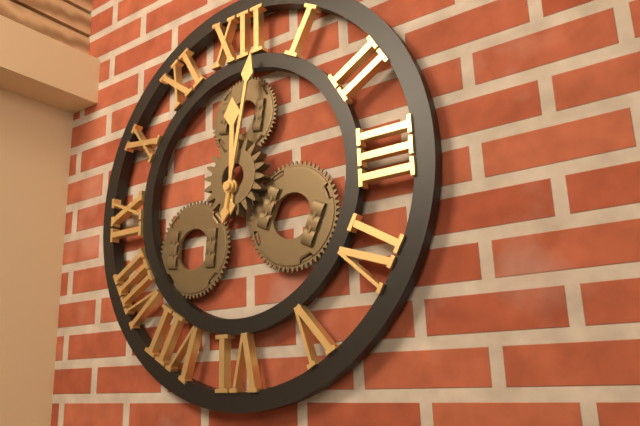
{"hour": 12, "minute": 2}
